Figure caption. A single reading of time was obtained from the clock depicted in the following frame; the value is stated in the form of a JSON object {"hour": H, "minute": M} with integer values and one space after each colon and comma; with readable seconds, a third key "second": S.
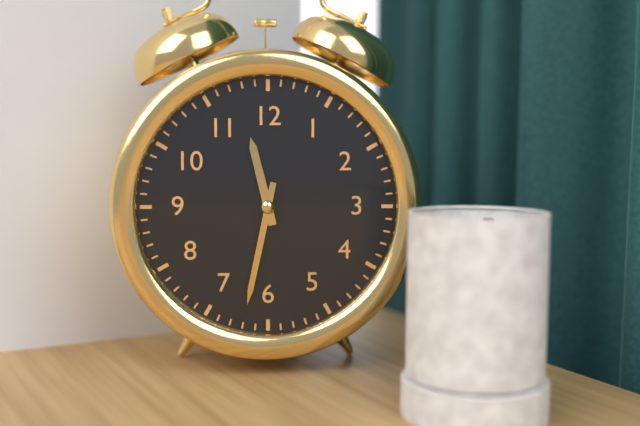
{"hour": 11, "minute": 32}
